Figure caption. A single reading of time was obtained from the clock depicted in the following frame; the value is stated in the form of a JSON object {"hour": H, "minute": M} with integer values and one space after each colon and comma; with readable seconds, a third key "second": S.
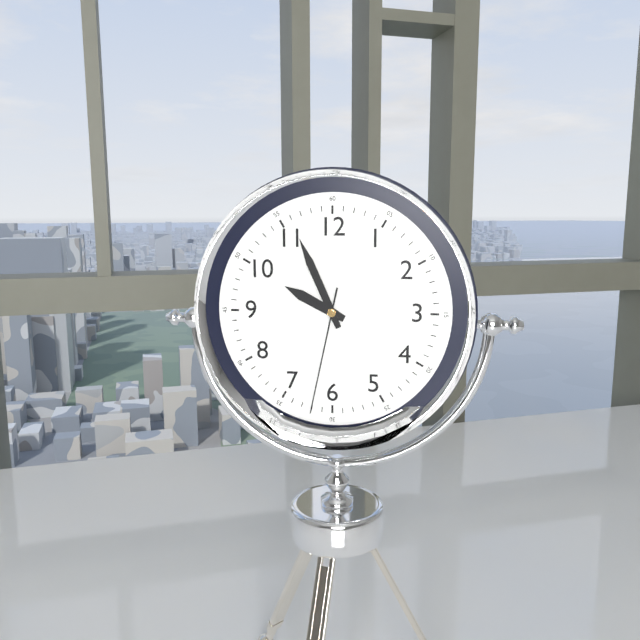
{"hour": 9, "minute": 56, "second": 32}
